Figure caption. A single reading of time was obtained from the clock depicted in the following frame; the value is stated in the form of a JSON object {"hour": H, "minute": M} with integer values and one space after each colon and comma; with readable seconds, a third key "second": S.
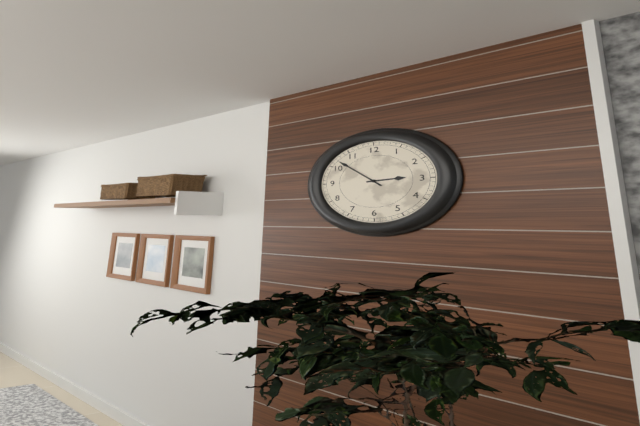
{"hour": 2, "minute": 52}
